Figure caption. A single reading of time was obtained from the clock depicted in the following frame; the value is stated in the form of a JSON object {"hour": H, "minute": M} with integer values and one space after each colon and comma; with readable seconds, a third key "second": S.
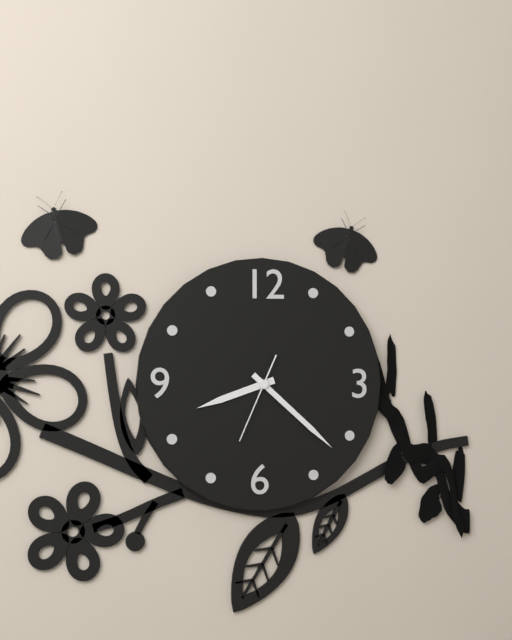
{"hour": 8, "minute": 22, "second": 34}
